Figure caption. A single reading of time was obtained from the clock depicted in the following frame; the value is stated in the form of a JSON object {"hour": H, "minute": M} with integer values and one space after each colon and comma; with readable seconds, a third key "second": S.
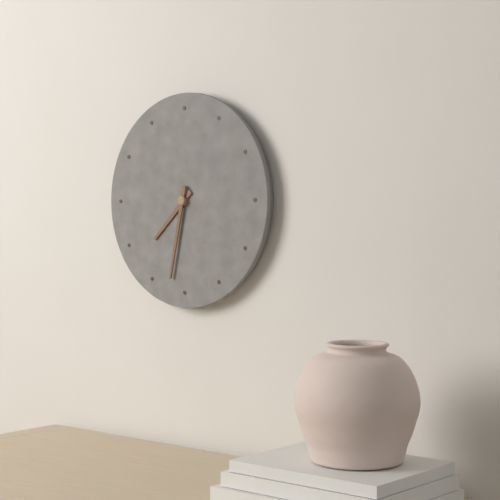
{"hour": 7, "minute": 32}
